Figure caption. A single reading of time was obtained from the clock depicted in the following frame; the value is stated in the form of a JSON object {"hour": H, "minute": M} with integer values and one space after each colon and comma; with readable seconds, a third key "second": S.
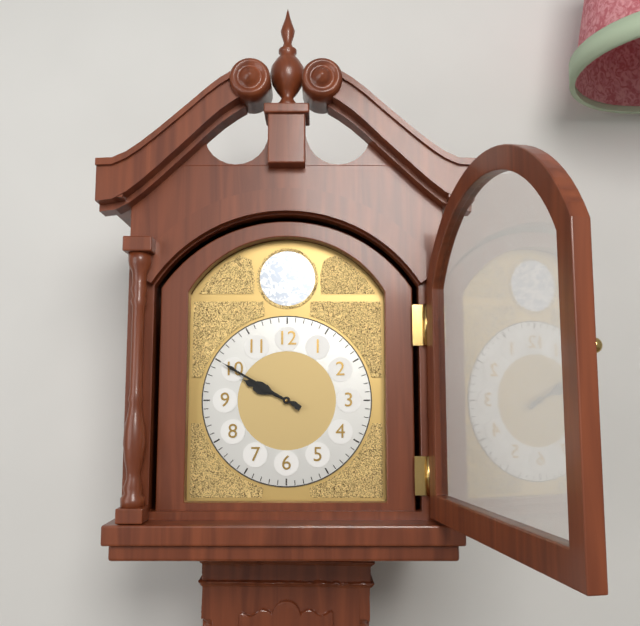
{"hour": 9, "minute": 50}
